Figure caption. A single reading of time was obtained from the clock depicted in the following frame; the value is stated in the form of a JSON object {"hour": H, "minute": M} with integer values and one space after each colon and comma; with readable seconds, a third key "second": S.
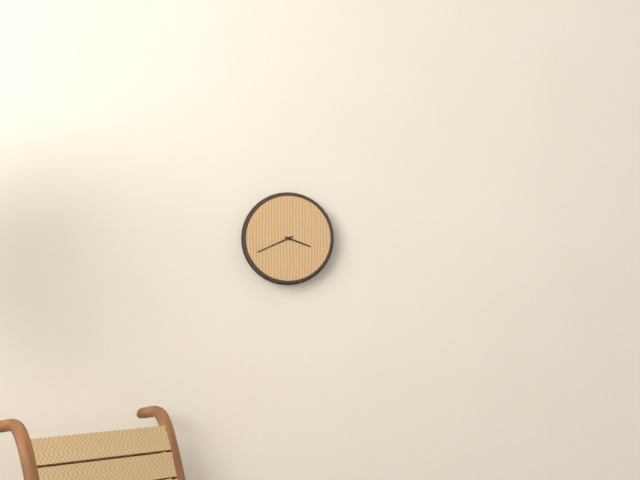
{"hour": 3, "minute": 41}
